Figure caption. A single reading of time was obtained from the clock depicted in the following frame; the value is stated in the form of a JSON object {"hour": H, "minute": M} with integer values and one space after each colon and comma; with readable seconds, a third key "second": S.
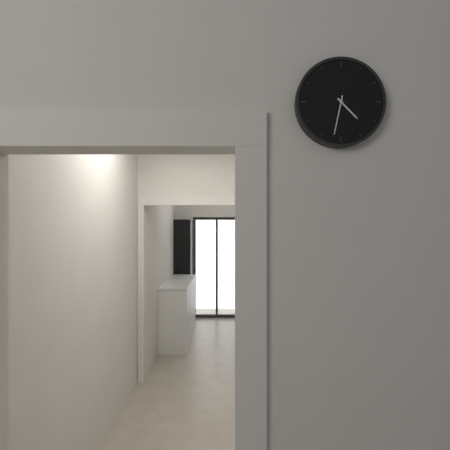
{"hour": 4, "minute": 32}
